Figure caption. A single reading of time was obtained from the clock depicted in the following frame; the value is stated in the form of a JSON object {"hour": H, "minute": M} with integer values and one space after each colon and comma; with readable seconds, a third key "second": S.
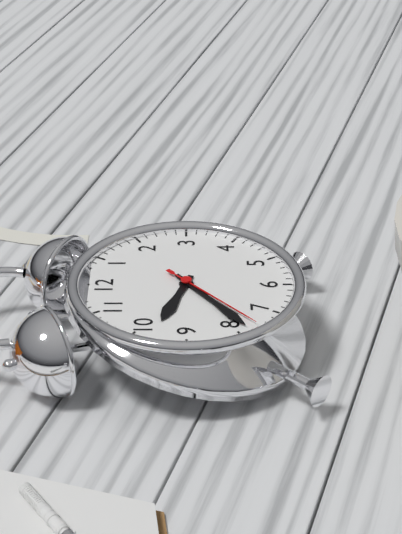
{"hour": 9, "minute": 39, "second": 38}
